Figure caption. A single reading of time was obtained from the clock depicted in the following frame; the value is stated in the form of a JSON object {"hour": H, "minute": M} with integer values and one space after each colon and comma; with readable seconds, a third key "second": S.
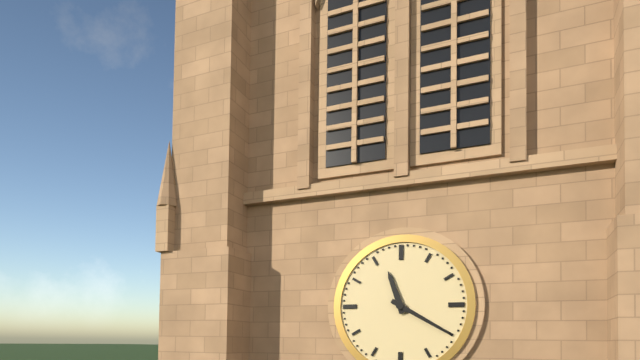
{"hour": 11, "minute": 20}
